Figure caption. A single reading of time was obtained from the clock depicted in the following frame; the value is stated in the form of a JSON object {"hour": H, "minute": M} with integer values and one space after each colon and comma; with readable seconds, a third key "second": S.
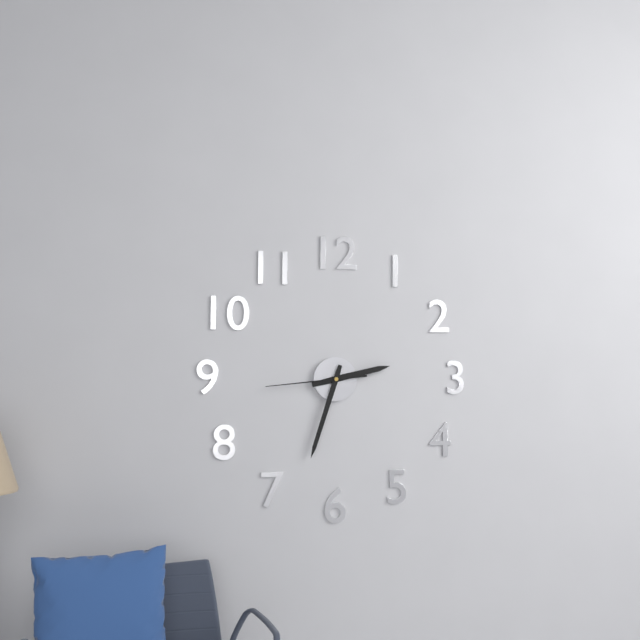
{"hour": 2, "minute": 33, "second": 44}
